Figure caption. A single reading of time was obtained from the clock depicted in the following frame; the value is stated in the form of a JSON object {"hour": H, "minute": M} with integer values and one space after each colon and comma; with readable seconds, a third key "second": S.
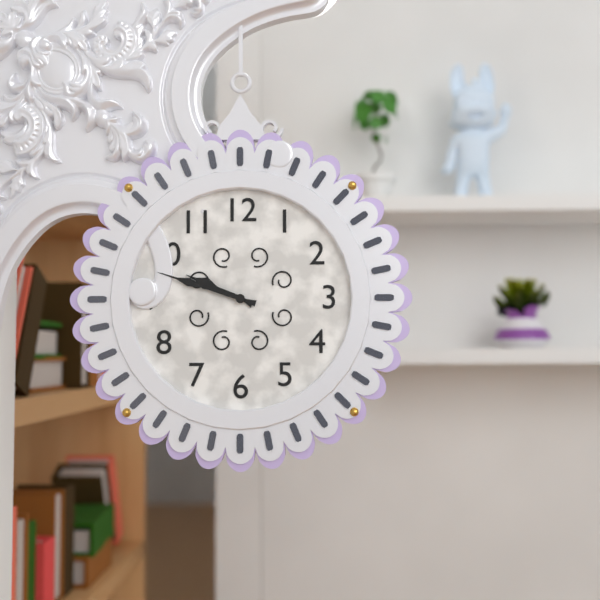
{"hour": 9, "minute": 48}
